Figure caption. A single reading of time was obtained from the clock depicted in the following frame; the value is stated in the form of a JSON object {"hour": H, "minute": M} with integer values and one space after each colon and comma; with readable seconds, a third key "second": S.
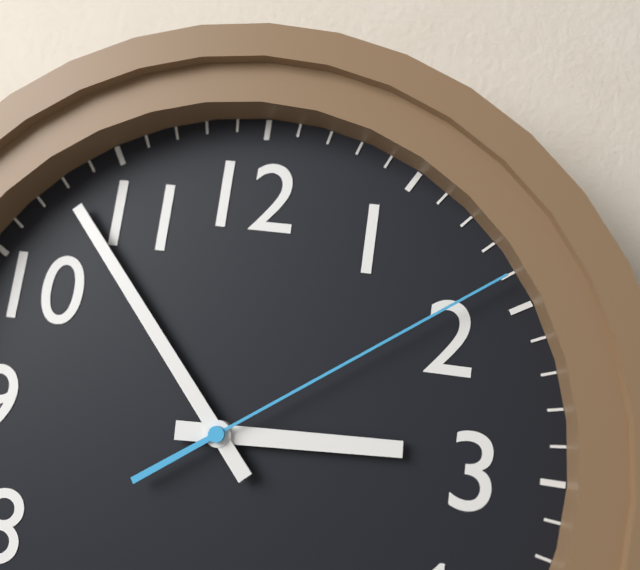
{"hour": 2, "minute": 53, "second": 9}
